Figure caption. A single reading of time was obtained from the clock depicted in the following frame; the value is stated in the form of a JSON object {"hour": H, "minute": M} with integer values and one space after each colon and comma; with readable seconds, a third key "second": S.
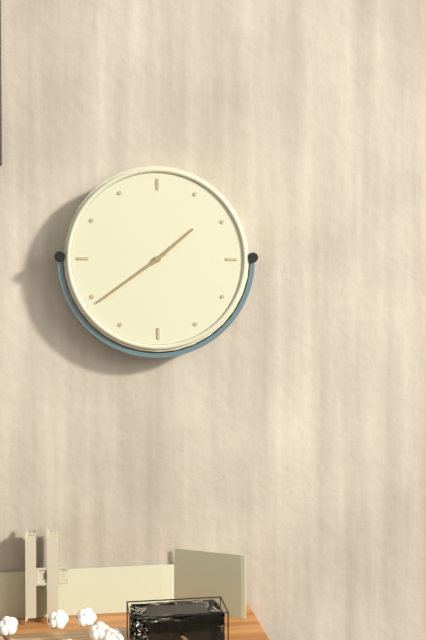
{"hour": 1, "minute": 39}
